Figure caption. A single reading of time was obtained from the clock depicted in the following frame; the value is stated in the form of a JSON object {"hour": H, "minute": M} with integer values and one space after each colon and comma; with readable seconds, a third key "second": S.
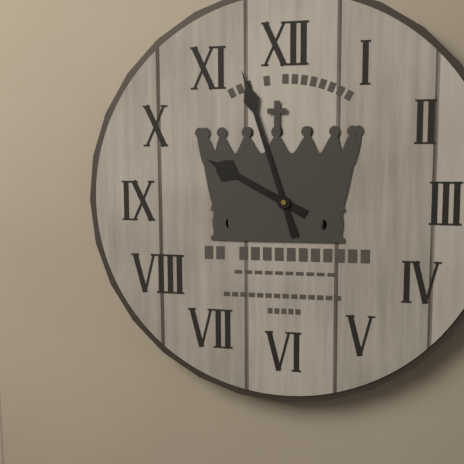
{"hour": 9, "minute": 57}
